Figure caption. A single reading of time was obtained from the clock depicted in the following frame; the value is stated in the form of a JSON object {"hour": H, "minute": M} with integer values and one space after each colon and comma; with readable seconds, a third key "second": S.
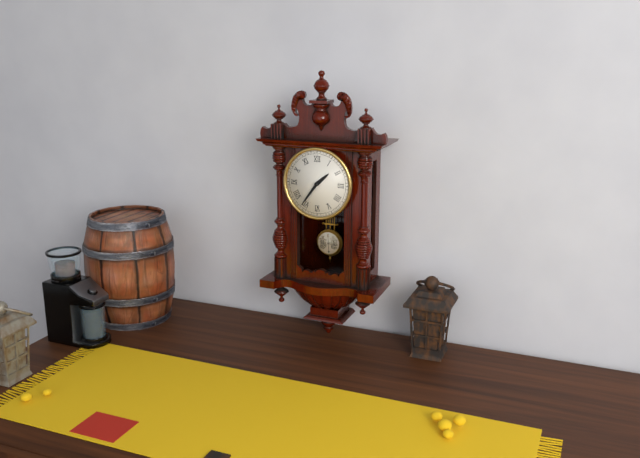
{"hour": 1, "minute": 36}
